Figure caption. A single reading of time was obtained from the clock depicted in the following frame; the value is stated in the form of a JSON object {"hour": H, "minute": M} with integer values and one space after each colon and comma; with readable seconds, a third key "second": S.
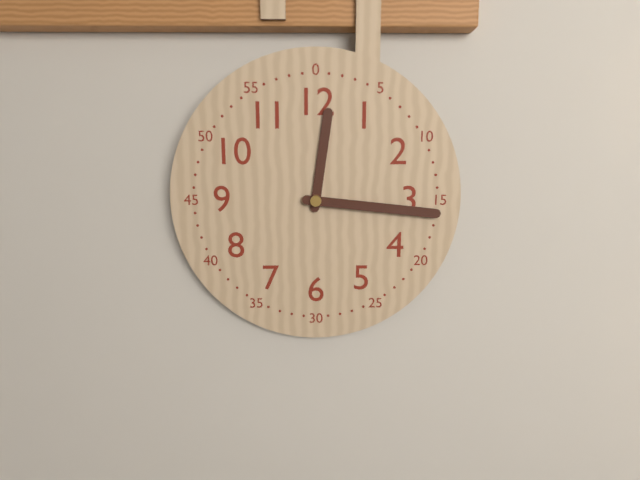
{"hour": 12, "minute": 16}
